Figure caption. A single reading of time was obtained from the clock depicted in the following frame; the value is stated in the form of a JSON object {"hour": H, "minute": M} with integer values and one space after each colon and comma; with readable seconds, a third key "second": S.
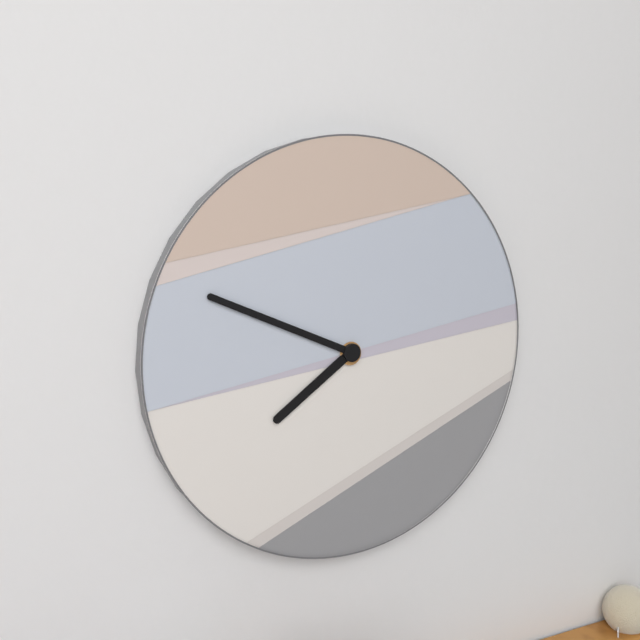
{"hour": 7, "minute": 49}
